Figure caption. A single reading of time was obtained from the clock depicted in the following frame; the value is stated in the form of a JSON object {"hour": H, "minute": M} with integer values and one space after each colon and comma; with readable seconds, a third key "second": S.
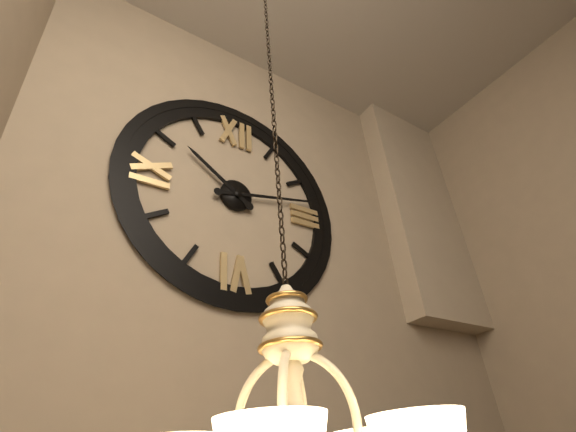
{"hour": 10, "minute": 13}
